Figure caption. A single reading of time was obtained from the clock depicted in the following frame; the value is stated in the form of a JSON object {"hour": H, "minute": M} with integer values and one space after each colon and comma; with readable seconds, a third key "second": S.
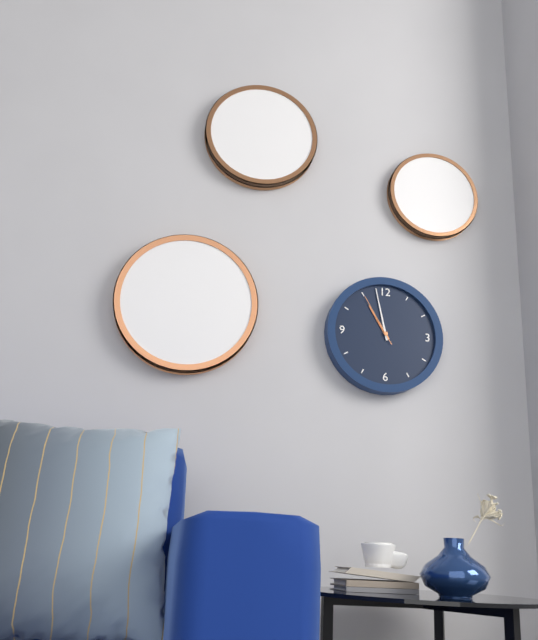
{"hour": 10, "minute": 58, "second": 55}
